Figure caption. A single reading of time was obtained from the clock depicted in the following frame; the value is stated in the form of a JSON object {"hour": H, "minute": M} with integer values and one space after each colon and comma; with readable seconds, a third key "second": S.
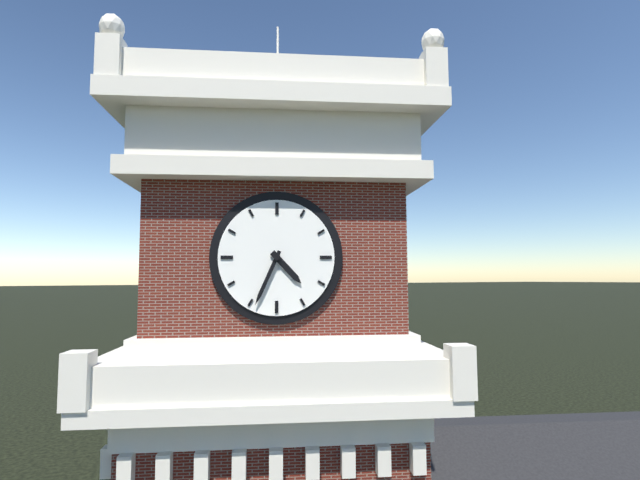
{"hour": 4, "minute": 34}
